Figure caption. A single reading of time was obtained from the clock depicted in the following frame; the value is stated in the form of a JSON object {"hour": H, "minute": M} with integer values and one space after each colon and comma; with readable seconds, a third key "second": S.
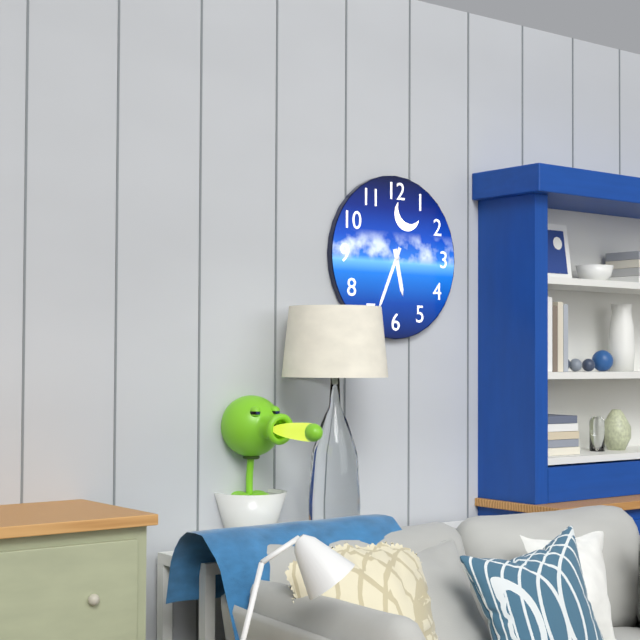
{"hour": 5, "minute": 34}
